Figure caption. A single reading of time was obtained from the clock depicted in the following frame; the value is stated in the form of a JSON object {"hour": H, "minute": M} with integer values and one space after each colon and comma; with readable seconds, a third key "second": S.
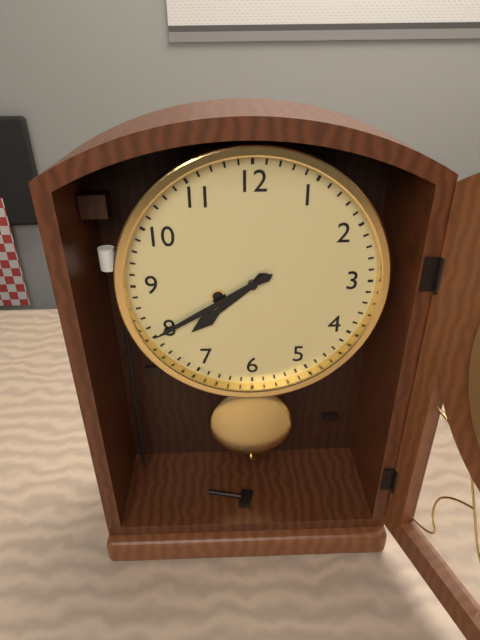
{"hour": 7, "minute": 40}
